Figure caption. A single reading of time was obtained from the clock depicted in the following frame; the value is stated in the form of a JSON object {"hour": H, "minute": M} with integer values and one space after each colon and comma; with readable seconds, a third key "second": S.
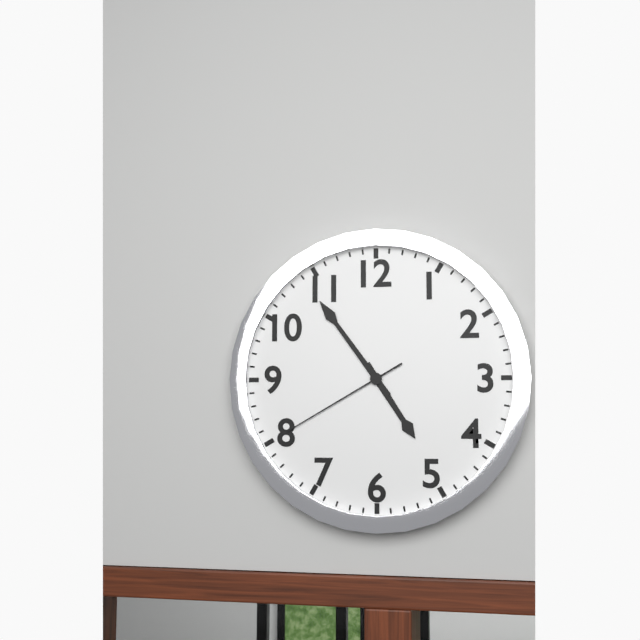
{"hour": 4, "minute": 54, "second": 40}
